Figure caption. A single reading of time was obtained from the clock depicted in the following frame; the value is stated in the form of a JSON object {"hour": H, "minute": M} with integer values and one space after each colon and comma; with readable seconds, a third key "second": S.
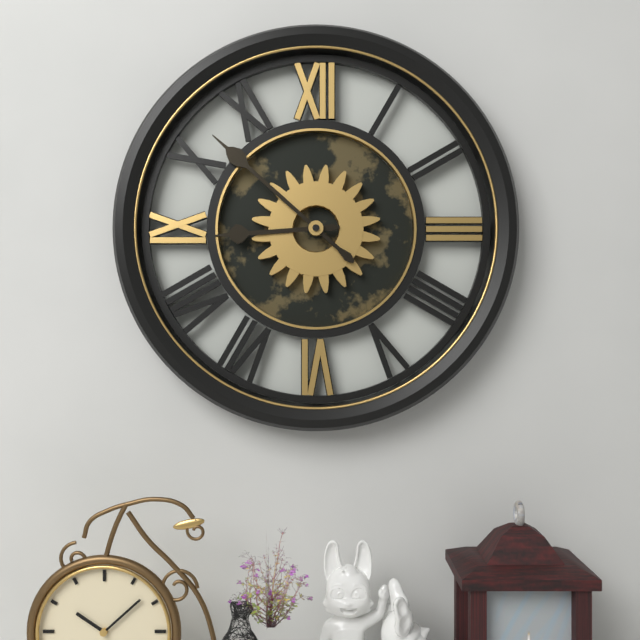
{"hour": 8, "minute": 52}
